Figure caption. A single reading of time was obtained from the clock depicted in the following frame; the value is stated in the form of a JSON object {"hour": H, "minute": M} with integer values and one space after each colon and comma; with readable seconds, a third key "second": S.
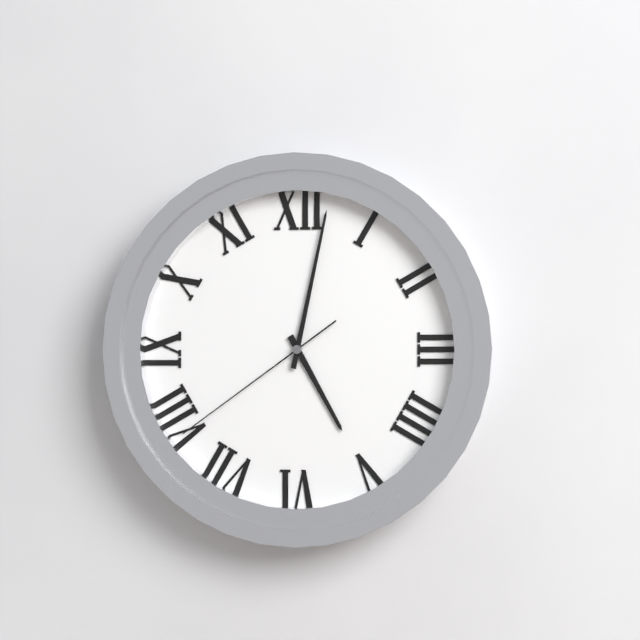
{"hour": 5, "minute": 2, "second": 39}
